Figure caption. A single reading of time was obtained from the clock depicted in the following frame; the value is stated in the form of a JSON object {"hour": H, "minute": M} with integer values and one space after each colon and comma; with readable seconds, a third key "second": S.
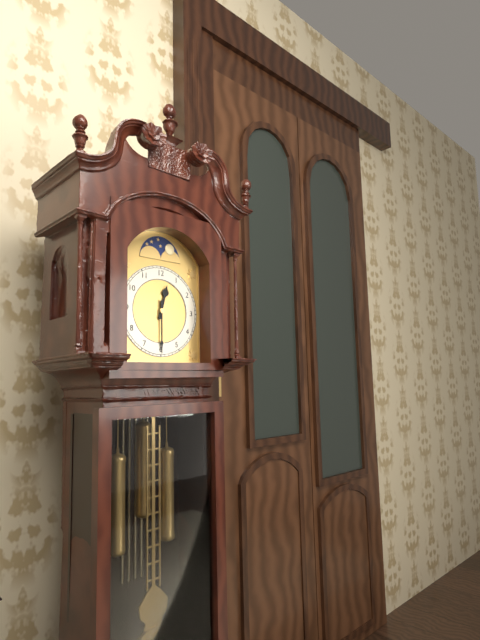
{"hour": 12, "minute": 30}
